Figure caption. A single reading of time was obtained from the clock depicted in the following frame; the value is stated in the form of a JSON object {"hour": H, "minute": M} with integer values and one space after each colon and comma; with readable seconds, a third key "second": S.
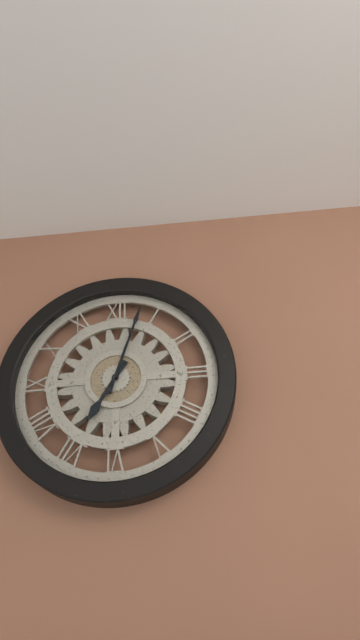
{"hour": 7, "minute": 3}
